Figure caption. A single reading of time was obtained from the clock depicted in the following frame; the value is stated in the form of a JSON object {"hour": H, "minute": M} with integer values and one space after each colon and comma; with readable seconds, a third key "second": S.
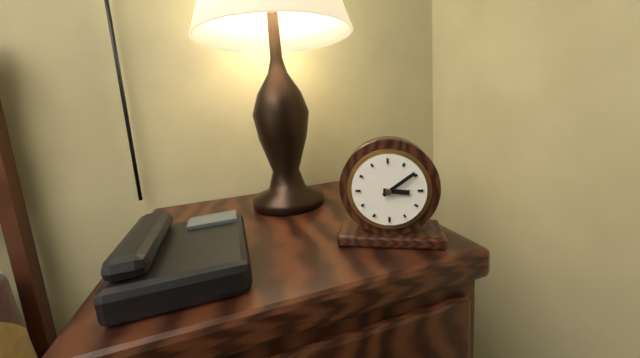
{"hour": 3, "minute": 9}
